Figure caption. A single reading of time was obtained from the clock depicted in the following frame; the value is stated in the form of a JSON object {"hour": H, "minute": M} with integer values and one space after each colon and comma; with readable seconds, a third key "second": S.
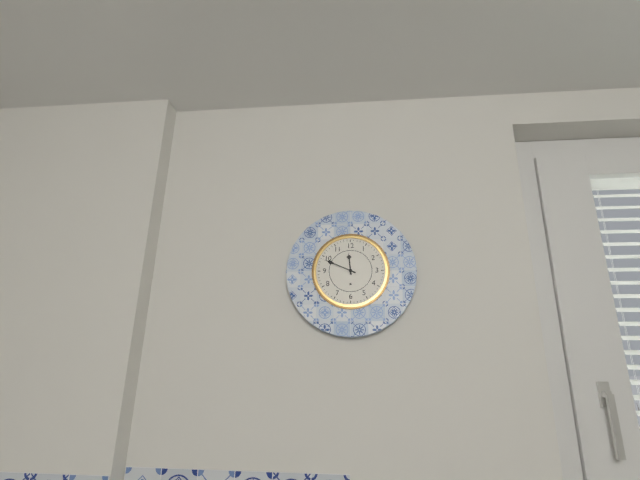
{"hour": 11, "minute": 49}
